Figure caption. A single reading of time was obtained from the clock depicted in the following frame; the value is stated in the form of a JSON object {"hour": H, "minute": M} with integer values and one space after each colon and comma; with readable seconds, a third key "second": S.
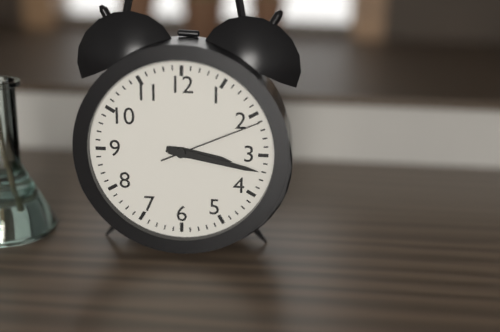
{"hour": 3, "minute": 17, "second": 11}
